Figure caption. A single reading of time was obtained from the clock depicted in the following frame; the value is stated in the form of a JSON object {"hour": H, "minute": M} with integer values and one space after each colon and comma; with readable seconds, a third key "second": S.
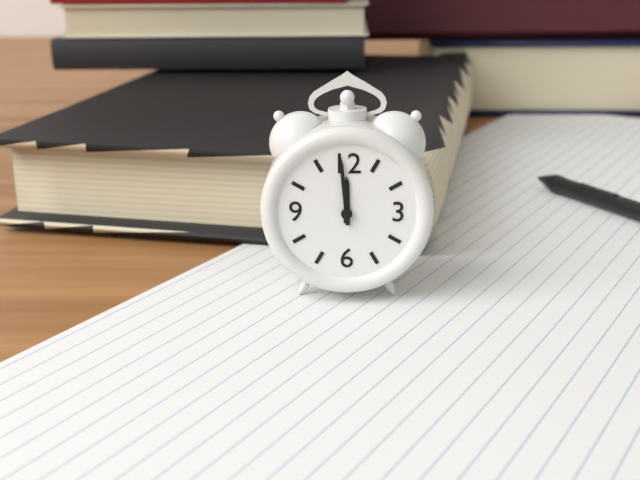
{"hour": 11, "minute": 59}
